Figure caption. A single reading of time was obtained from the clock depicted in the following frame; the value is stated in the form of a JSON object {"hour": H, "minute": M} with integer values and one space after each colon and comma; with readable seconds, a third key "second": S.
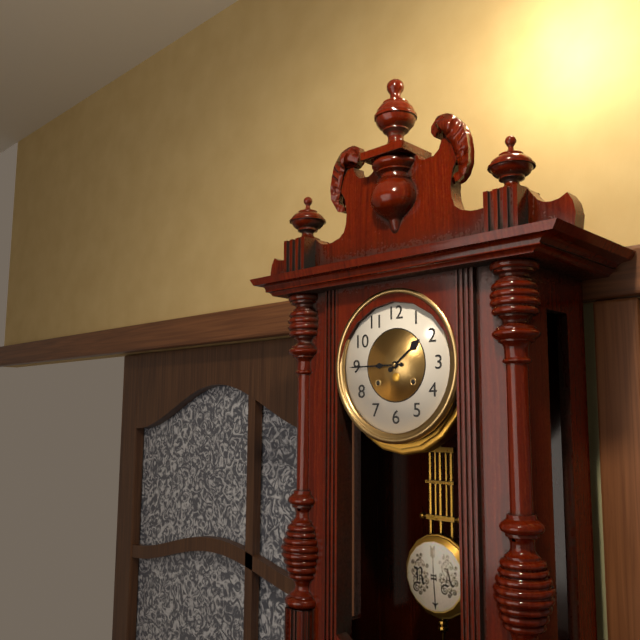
{"hour": 1, "minute": 45}
